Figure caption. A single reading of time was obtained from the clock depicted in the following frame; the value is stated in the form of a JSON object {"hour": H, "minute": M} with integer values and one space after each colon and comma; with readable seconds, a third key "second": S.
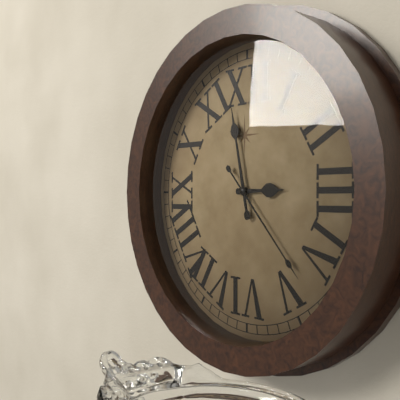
{"hour": 2, "minute": 58, "second": 23}
